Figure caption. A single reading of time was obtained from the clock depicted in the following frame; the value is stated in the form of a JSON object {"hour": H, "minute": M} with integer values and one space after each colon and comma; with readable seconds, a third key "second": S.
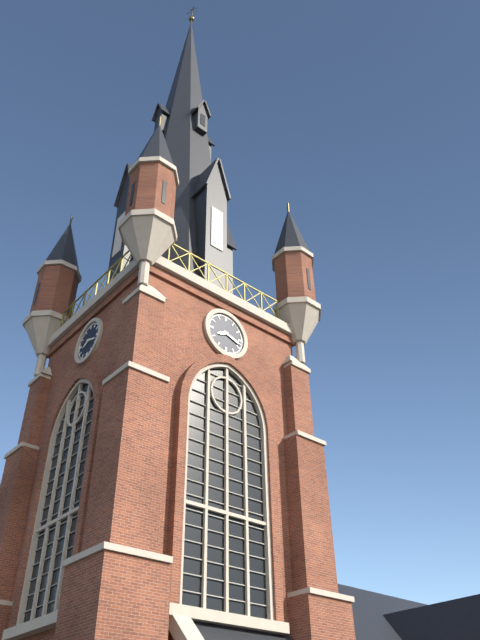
{"hour": 8, "minute": 18}
